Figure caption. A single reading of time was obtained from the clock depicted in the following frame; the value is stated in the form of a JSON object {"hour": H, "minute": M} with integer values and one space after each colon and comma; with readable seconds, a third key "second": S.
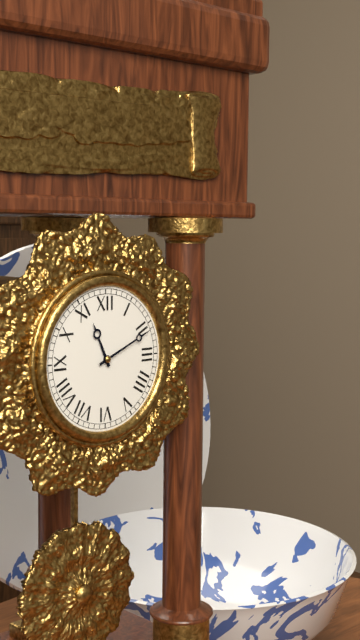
{"hour": 11, "minute": 11}
